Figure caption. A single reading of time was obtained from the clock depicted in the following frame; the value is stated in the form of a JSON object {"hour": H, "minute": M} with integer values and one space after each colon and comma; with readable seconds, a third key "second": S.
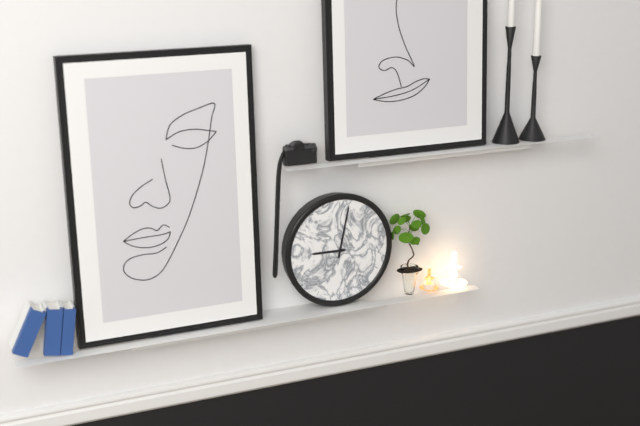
{"hour": 9, "minute": 2}
